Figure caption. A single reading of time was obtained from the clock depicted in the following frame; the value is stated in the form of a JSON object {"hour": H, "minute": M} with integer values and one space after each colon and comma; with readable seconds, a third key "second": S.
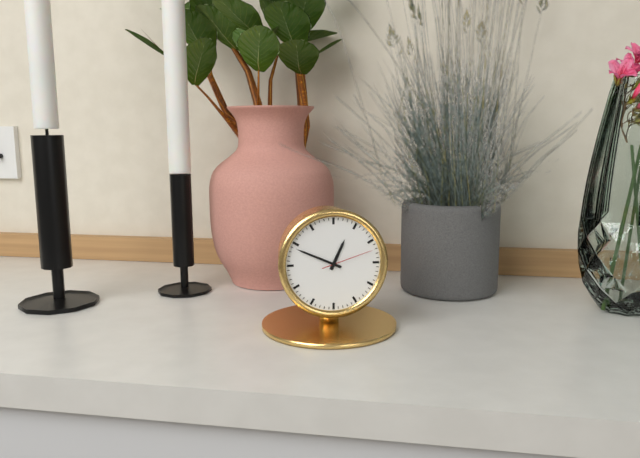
{"hour": 12, "minute": 49, "second": 12}
